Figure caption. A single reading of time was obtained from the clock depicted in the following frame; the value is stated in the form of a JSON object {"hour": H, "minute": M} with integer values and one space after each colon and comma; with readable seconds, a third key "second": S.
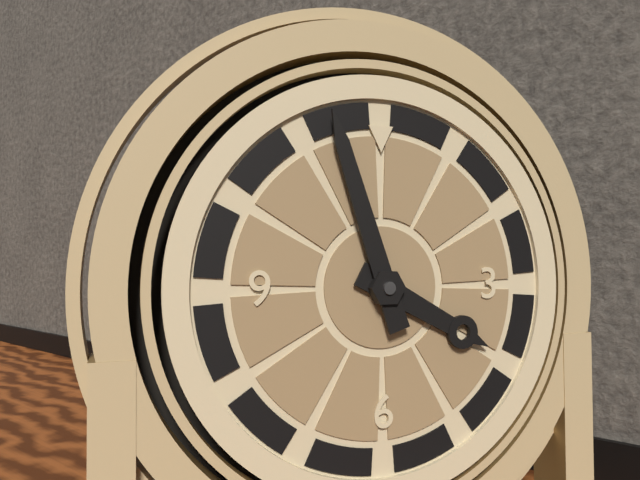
{"hour": 3, "minute": 57}
